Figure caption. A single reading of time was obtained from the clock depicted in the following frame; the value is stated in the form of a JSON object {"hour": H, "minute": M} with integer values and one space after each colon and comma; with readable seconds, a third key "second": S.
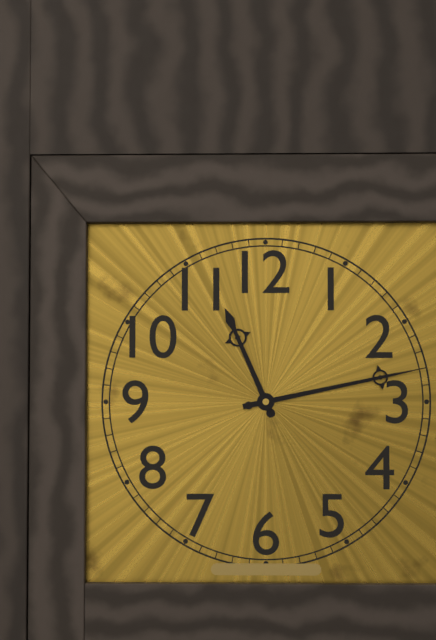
{"hour": 11, "minute": 13}
